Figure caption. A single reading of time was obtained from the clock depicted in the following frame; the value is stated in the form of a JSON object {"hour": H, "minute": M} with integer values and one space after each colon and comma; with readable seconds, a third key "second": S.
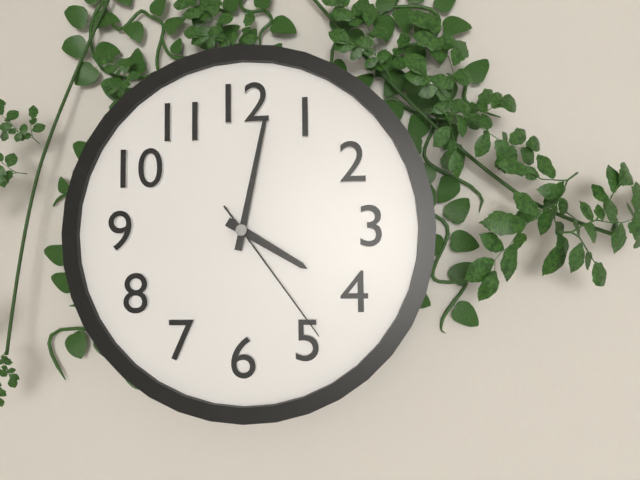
{"hour": 4, "minute": 2, "second": 24}
